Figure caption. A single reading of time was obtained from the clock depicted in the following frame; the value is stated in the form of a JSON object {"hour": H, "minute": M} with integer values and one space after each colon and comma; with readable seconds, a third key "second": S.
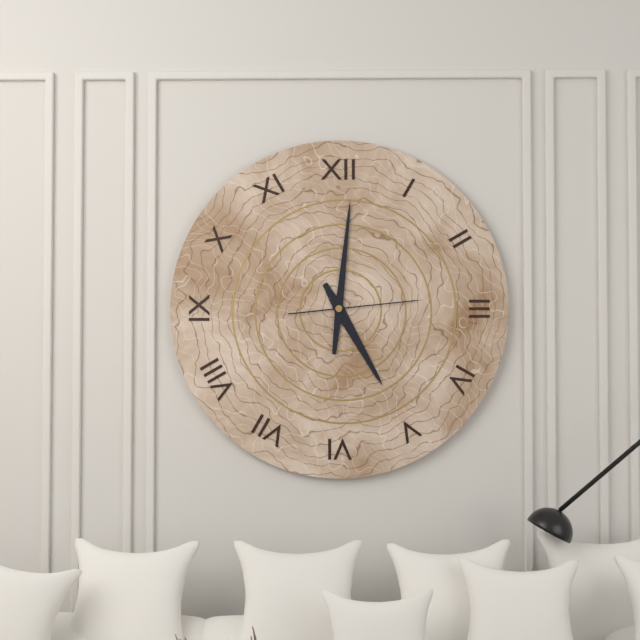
{"hour": 5, "minute": 1, "second": 14}
